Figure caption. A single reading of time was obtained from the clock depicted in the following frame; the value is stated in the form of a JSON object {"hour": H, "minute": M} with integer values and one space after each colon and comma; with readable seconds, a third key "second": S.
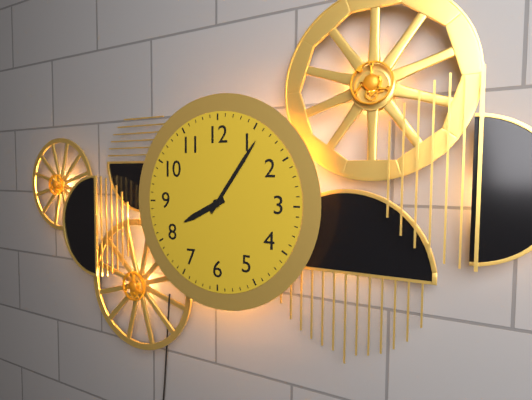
{"hour": 8, "minute": 6}
